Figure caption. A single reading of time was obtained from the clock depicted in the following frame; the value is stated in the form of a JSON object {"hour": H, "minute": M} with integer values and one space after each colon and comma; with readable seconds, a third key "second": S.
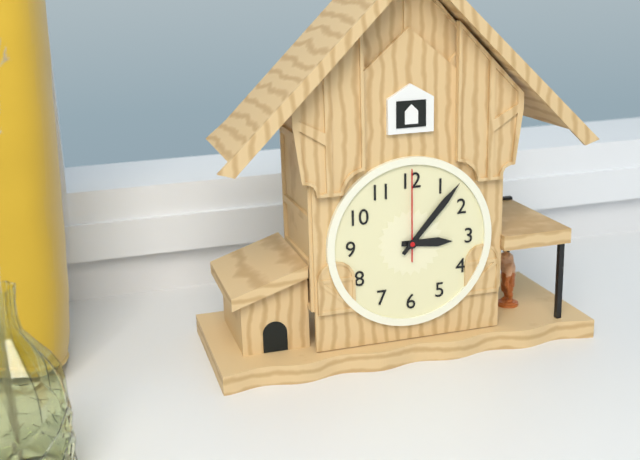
{"hour": 3, "minute": 7, "second": 0}
